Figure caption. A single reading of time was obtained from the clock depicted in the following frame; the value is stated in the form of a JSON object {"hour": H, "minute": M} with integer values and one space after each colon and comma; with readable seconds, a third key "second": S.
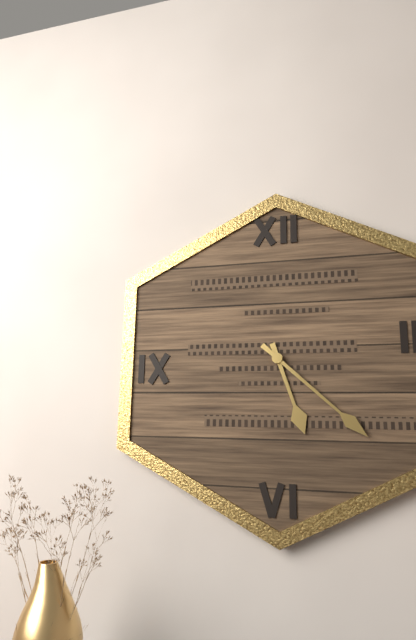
{"hour": 5, "minute": 22}
